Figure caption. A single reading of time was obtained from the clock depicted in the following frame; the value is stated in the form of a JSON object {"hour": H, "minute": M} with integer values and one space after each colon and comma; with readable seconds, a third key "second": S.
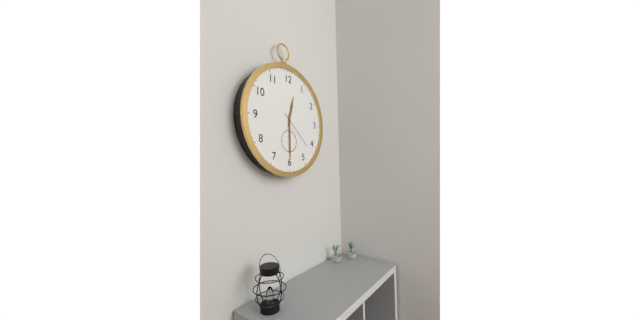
{"hour": 12, "minute": 30}
